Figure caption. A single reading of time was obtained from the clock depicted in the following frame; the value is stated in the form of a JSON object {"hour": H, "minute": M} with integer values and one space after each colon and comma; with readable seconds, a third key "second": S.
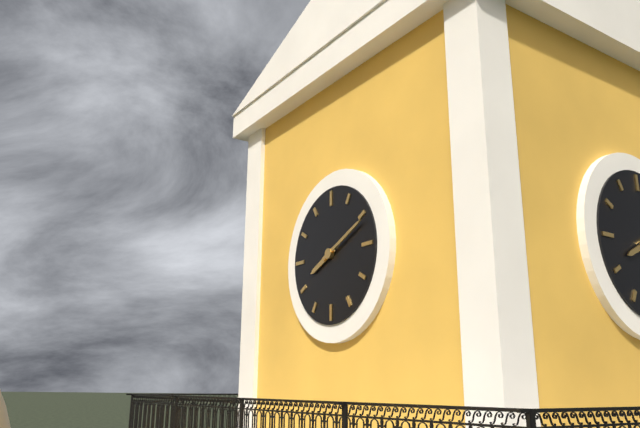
{"hour": 8, "minute": 11}
